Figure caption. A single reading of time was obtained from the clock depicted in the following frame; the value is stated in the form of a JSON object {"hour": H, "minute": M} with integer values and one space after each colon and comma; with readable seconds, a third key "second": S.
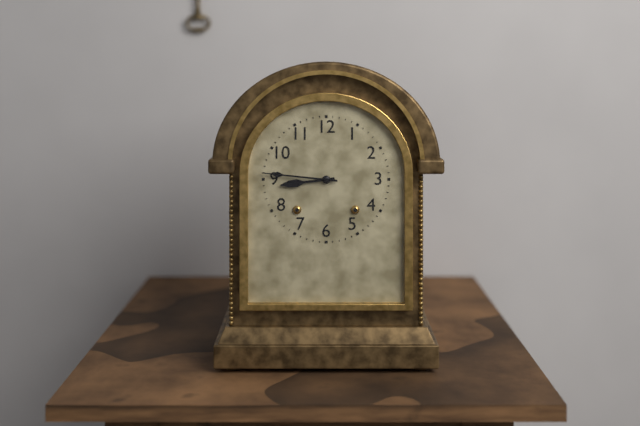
{"hour": 8, "minute": 46}
